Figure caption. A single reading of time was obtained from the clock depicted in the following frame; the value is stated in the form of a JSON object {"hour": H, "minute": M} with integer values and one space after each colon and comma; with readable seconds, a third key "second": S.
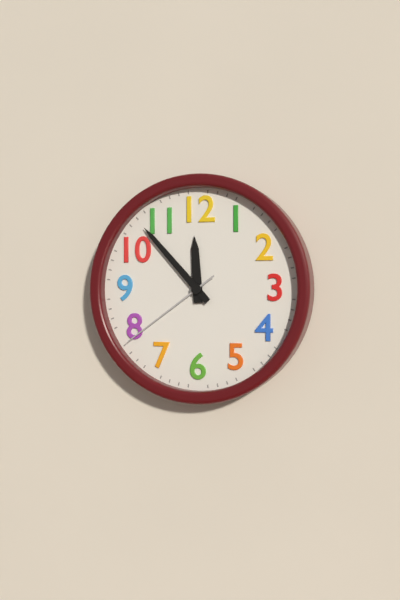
{"hour": 11, "minute": 53, "second": 39}
